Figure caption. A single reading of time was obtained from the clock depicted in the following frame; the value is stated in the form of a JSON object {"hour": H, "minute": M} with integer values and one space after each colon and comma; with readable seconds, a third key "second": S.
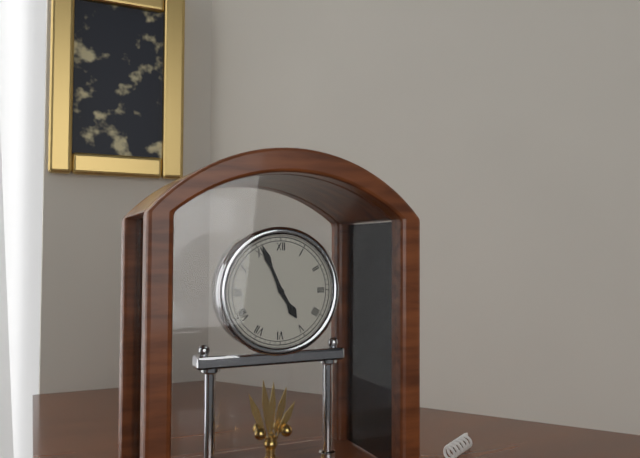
{"hour": 4, "minute": 56}
